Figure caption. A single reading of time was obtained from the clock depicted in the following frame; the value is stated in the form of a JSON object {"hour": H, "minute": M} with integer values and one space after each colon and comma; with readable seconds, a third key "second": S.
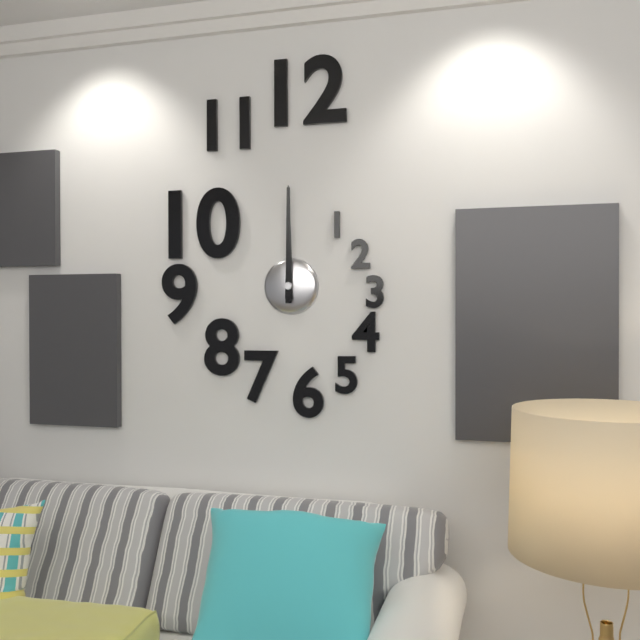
{"hour": 12, "minute": 0}
